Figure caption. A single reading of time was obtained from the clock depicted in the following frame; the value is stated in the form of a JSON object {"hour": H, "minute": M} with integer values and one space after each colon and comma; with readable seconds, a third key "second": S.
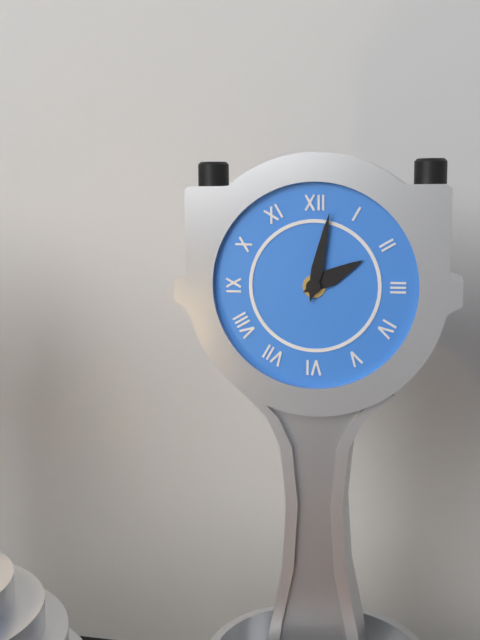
{"hour": 2, "minute": 2}
